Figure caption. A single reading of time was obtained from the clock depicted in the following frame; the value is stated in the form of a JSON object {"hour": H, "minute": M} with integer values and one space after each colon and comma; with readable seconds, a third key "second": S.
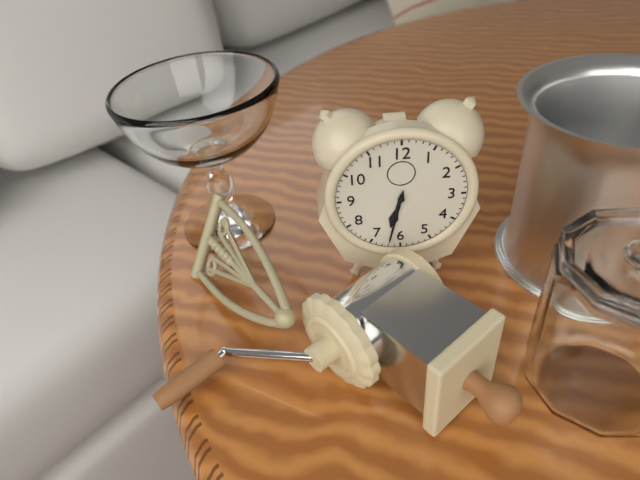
{"hour": 6, "minute": 32}
